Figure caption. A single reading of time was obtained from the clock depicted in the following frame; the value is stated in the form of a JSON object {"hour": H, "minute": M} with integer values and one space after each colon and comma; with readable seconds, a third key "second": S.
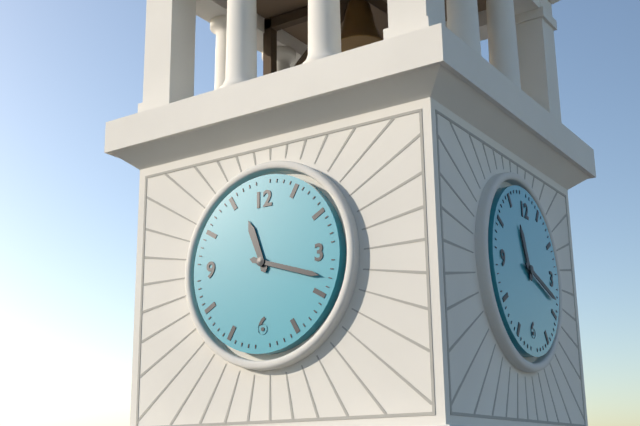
{"hour": 11, "minute": 18}
